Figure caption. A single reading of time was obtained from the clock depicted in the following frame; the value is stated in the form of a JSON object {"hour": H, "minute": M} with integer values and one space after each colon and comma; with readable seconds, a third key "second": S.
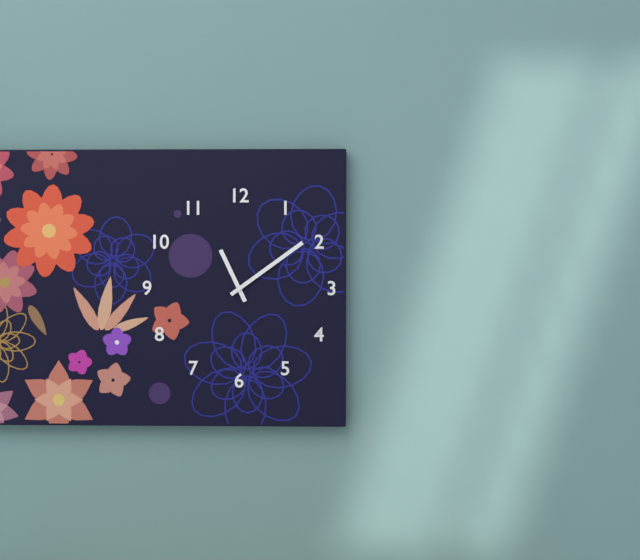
{"hour": 11, "minute": 9}
